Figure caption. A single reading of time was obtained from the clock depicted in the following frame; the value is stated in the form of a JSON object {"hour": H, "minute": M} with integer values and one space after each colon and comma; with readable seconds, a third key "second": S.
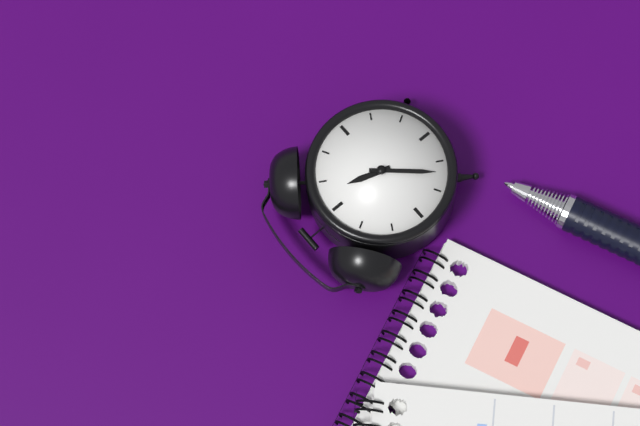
{"hour": 12, "minute": 37}
